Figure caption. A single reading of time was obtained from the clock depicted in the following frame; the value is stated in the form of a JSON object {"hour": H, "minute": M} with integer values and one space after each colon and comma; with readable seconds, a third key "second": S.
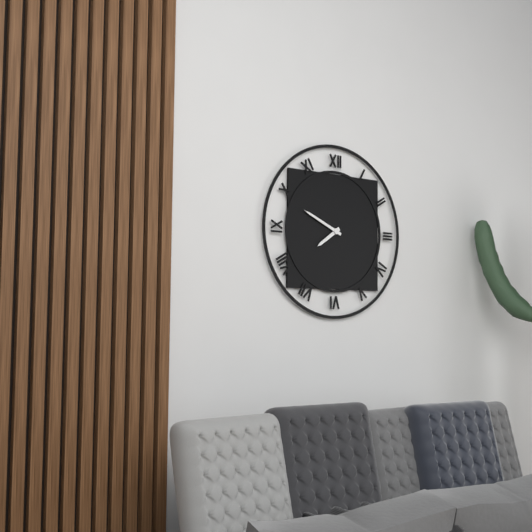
{"hour": 7, "minute": 49}
